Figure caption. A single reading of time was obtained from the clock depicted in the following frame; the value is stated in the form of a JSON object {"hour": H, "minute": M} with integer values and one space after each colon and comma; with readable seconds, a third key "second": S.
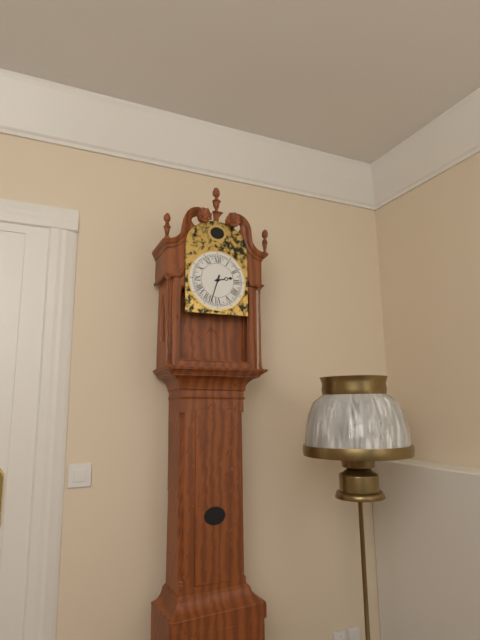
{"hour": 2, "minute": 33}
